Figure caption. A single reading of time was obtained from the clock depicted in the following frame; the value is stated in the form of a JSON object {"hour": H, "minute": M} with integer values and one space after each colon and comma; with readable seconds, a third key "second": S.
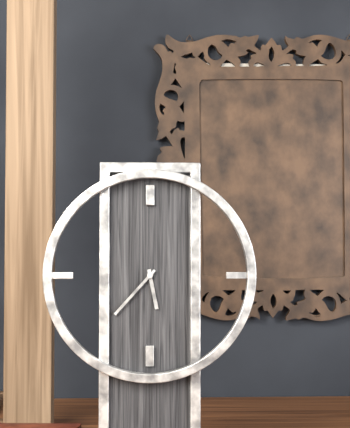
{"hour": 5, "minute": 37}
